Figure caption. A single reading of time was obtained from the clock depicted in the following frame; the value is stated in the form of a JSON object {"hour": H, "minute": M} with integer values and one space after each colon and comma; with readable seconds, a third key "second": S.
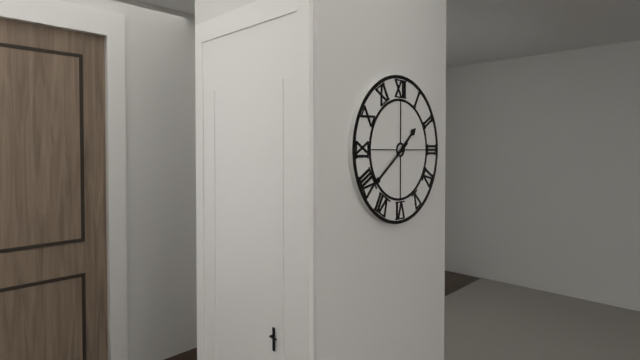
{"hour": 1, "minute": 39}
